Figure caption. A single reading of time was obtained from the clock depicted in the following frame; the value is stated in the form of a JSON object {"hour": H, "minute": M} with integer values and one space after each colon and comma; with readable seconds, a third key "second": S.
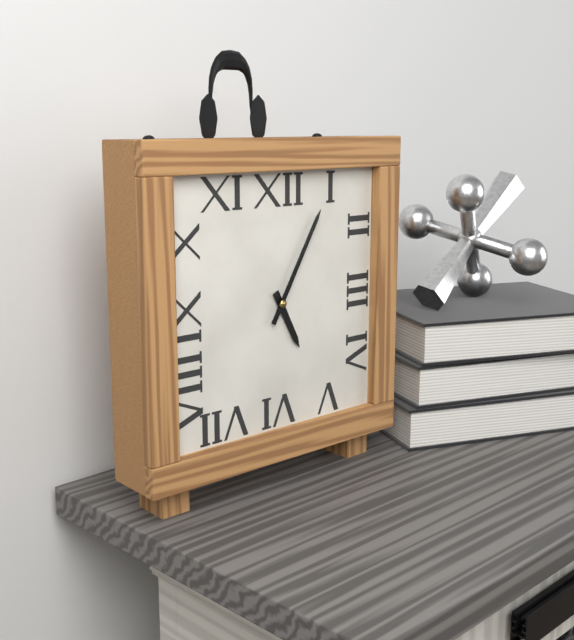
{"hour": 5, "minute": 5}
